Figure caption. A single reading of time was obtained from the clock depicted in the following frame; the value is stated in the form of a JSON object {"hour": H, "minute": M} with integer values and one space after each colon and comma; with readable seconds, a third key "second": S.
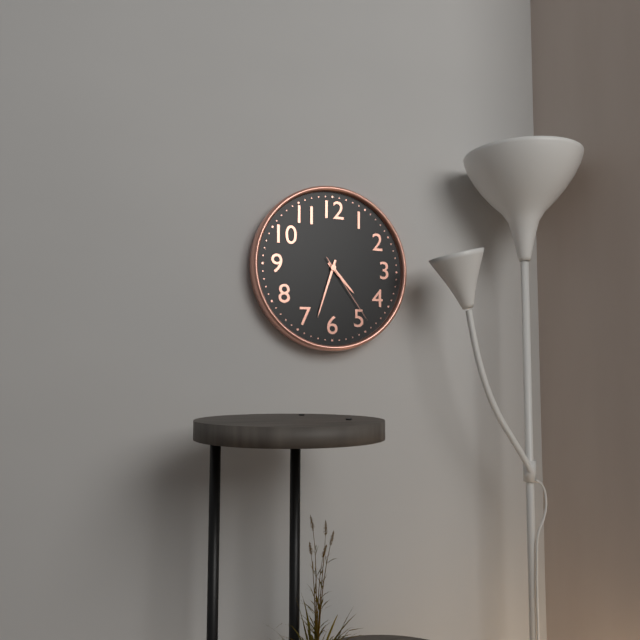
{"hour": 4, "minute": 33, "second": 24}
